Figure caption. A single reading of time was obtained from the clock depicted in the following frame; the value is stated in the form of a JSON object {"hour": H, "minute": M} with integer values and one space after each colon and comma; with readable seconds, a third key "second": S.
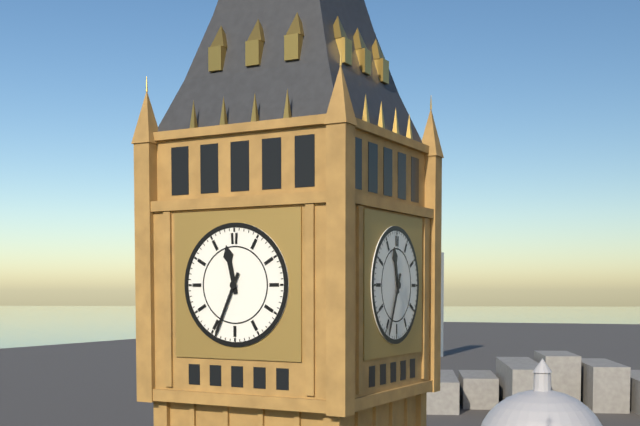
{"hour": 11, "minute": 34}
